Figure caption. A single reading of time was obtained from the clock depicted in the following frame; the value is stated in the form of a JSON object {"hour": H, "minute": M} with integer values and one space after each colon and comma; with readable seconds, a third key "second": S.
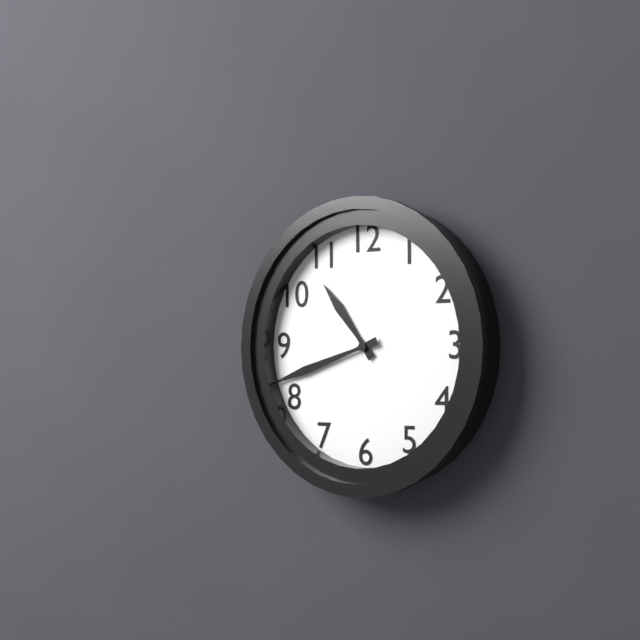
{"hour": 10, "minute": 42}
